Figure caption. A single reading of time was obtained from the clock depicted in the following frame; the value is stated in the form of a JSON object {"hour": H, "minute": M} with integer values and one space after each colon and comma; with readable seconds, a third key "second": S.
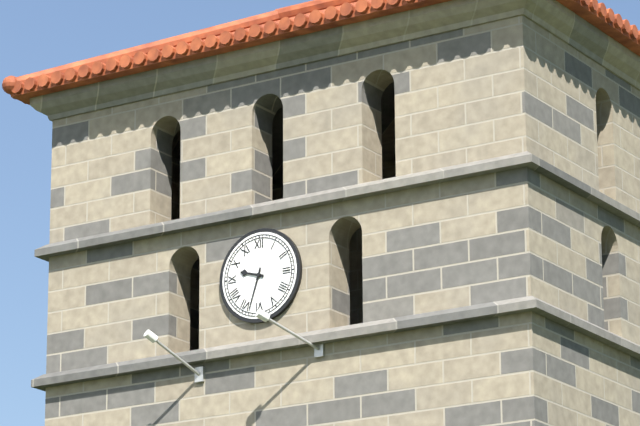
{"hour": 9, "minute": 33}
